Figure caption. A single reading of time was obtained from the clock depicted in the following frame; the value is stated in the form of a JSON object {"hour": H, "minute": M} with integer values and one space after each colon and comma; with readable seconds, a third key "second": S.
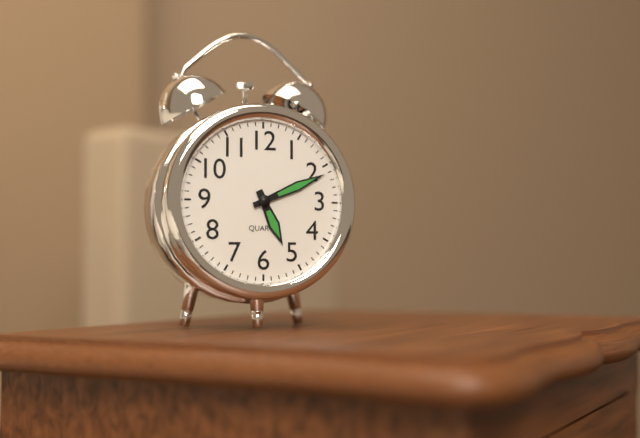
{"hour": 5, "minute": 11}
